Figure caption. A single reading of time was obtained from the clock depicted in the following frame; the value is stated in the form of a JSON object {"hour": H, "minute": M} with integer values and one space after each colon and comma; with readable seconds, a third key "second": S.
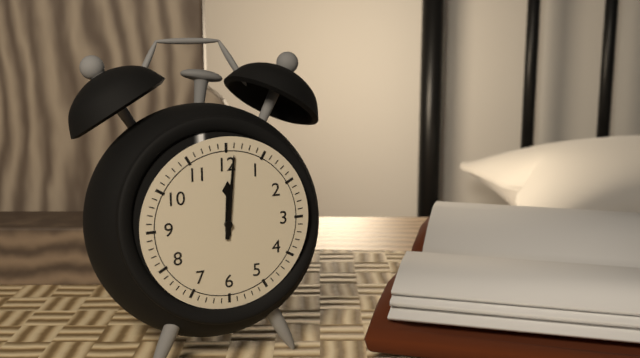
{"hour": 12, "minute": 1}
